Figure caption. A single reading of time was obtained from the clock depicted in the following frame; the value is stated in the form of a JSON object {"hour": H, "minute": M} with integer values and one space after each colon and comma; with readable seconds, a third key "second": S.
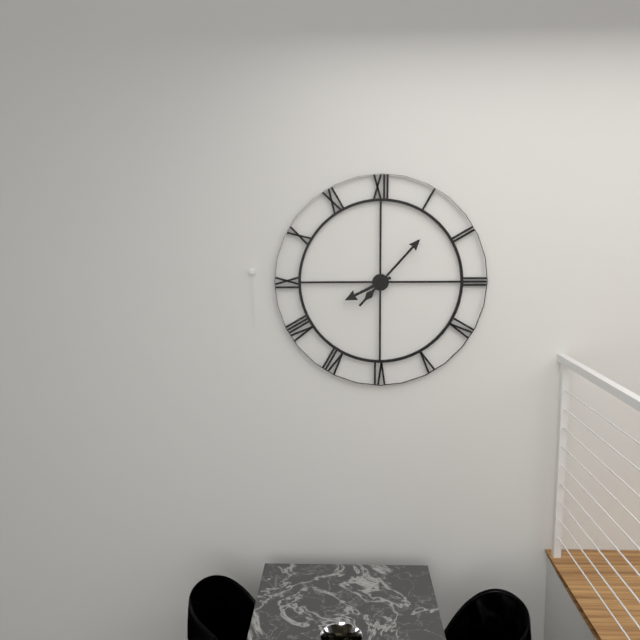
{"hour": 8, "minute": 7}
